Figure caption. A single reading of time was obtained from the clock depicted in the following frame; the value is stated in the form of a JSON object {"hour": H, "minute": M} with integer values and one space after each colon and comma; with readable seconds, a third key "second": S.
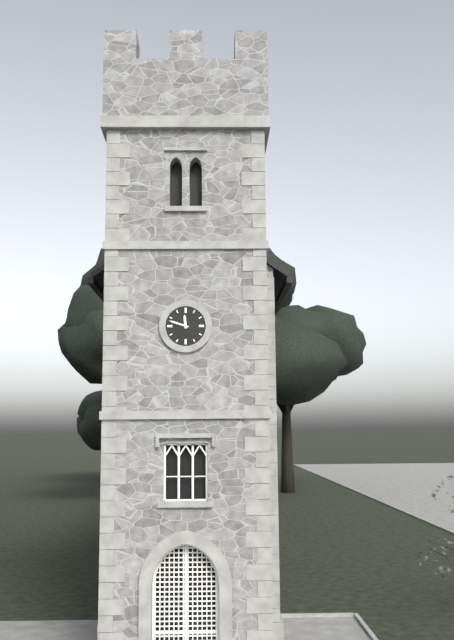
{"hour": 11, "minute": 48}
